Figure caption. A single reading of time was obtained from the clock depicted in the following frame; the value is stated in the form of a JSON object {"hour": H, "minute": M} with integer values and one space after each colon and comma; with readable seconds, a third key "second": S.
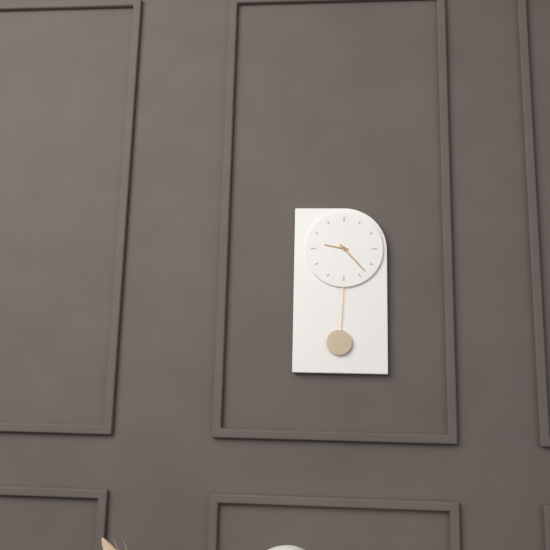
{"hour": 9, "minute": 23}
